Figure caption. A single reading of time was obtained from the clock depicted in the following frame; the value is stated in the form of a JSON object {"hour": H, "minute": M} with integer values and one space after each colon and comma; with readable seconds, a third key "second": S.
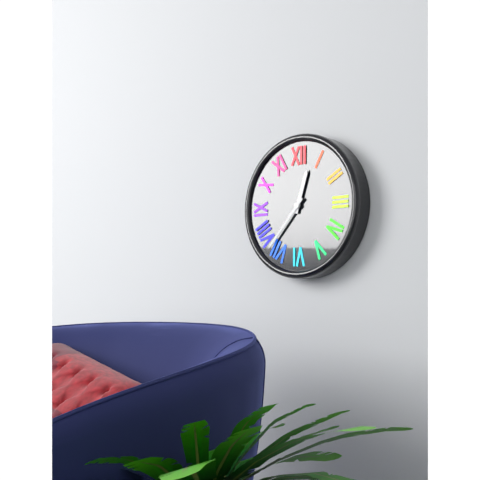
{"hour": 12, "minute": 37}
